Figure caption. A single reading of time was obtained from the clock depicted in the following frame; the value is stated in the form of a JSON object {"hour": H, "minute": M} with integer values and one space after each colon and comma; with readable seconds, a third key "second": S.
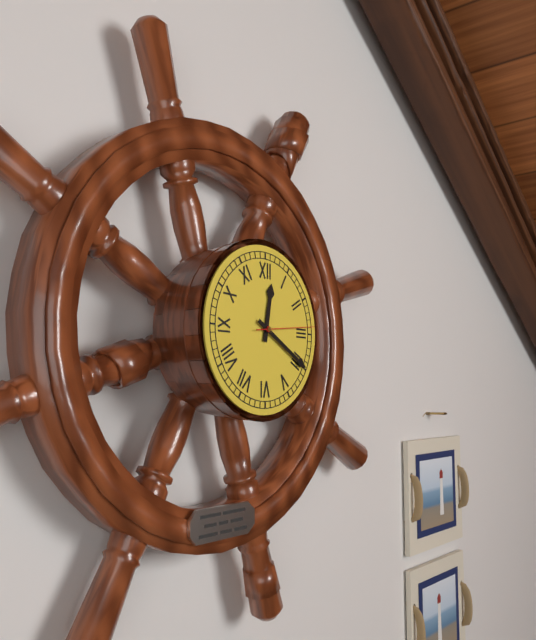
{"hour": 12, "minute": 20, "second": 14}
